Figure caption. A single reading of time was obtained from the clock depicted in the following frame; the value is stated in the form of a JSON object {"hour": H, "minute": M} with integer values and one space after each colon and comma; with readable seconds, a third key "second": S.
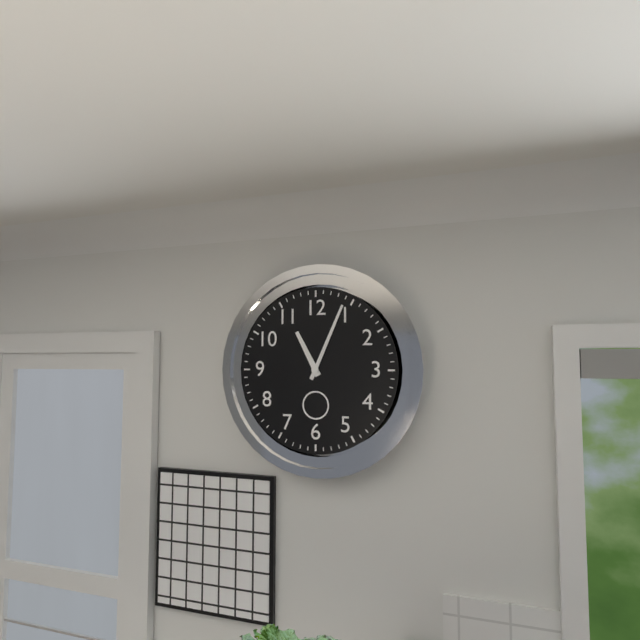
{"hour": 11, "minute": 4}
